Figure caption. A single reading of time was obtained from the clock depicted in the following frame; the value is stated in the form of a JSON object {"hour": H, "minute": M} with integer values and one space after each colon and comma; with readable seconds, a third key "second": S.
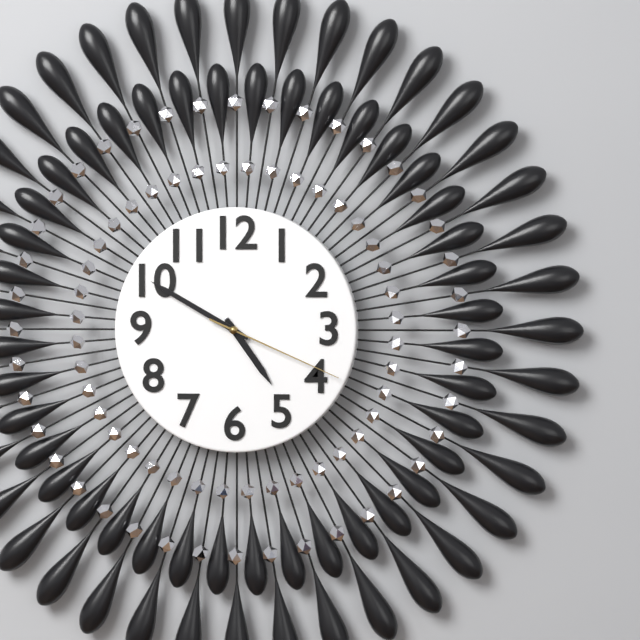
{"hour": 4, "minute": 50, "second": 19}
